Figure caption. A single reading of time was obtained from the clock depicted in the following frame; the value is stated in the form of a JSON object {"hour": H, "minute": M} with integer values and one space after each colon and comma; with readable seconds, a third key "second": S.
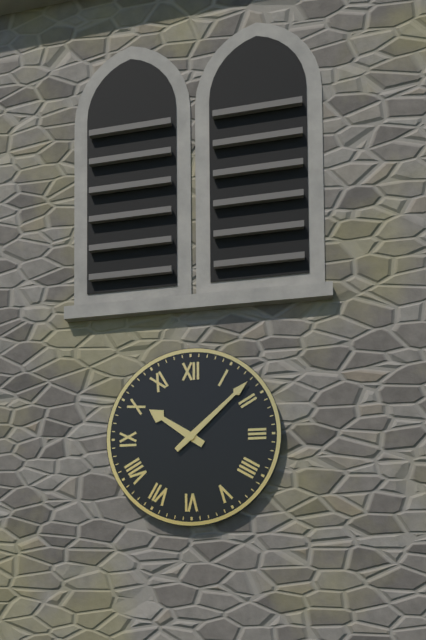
{"hour": 10, "minute": 8}
